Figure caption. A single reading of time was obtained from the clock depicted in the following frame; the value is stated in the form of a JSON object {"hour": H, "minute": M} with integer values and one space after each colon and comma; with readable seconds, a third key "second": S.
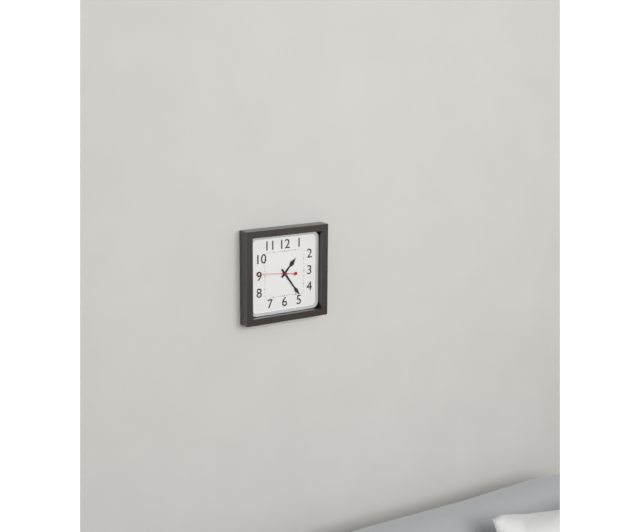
{"hour": 1, "minute": 24}
